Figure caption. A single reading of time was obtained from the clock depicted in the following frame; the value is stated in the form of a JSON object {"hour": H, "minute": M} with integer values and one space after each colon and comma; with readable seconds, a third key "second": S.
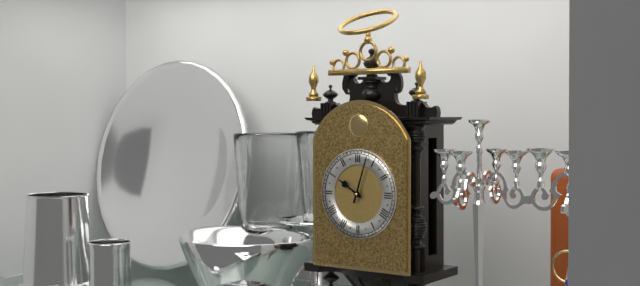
{"hour": 10, "minute": 3}
